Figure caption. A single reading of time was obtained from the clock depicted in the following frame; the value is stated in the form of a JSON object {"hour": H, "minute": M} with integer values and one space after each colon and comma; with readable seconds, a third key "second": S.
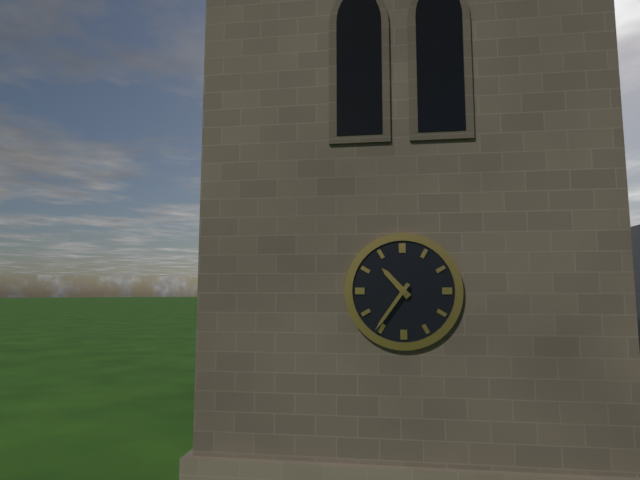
{"hour": 10, "minute": 36}
